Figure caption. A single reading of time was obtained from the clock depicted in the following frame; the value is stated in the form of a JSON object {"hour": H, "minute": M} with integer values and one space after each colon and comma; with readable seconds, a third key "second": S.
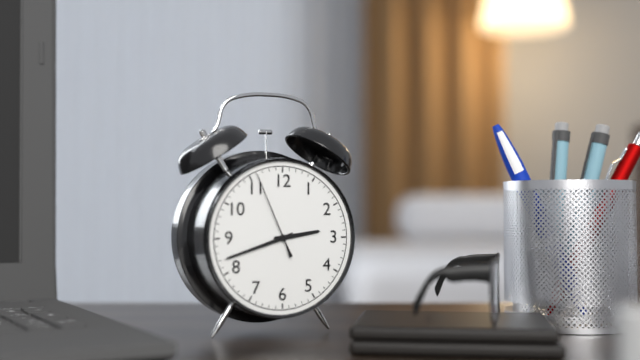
{"hour": 2, "minute": 42, "second": 56}
